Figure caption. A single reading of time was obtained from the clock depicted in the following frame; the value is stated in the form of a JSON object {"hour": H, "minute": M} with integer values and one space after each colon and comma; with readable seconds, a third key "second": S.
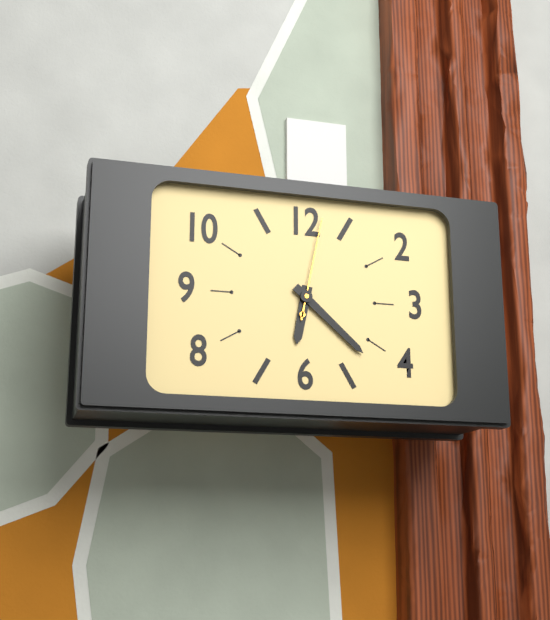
{"hour": 6, "minute": 22, "second": 2}
